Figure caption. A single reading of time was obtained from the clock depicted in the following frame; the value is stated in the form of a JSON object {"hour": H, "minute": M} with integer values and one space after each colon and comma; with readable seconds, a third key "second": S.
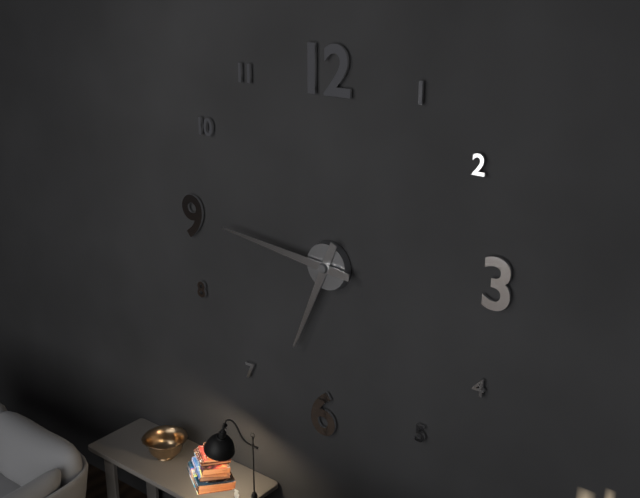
{"hour": 6, "minute": 46}
